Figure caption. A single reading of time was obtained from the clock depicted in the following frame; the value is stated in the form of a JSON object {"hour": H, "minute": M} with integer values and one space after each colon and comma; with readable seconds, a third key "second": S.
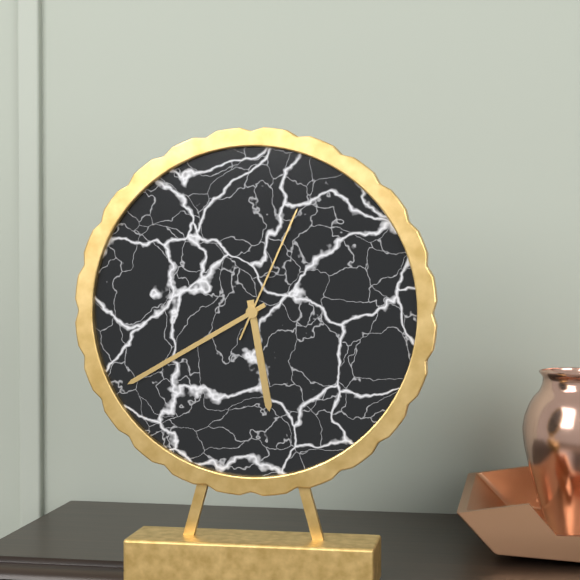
{"hour": 5, "minute": 40, "second": 4}
